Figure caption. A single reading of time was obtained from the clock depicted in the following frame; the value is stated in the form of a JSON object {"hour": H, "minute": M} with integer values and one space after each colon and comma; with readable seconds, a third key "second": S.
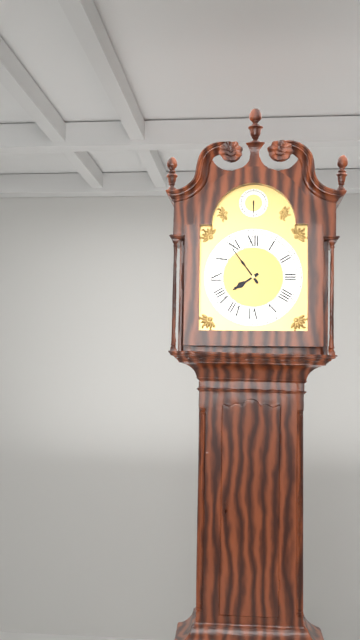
{"hour": 7, "minute": 54}
